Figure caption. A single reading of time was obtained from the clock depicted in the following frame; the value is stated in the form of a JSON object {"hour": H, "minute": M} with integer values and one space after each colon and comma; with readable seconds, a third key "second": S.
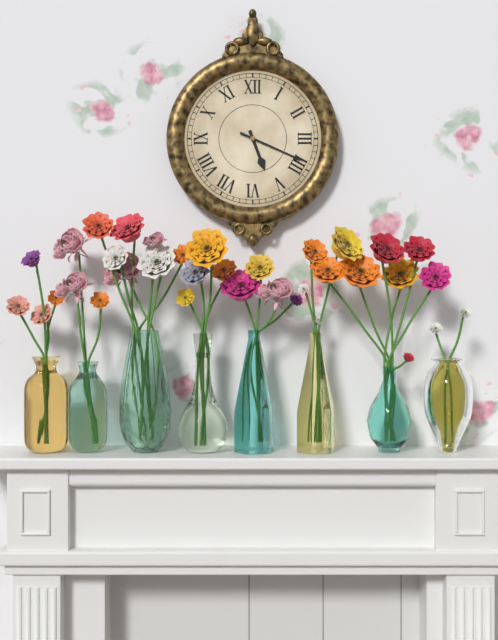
{"hour": 5, "minute": 19}
